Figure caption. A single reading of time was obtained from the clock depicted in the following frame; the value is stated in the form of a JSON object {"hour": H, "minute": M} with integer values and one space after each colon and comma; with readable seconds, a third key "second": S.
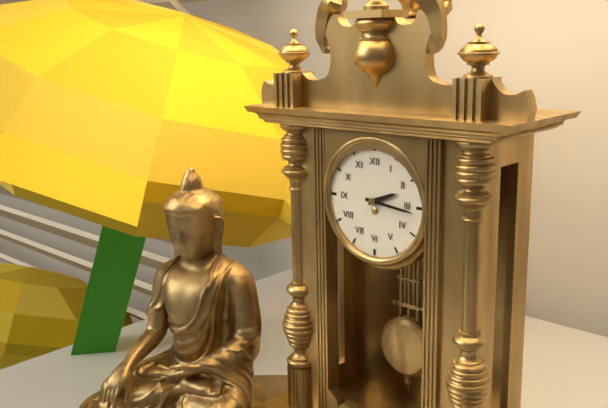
{"hour": 2, "minute": 16}
